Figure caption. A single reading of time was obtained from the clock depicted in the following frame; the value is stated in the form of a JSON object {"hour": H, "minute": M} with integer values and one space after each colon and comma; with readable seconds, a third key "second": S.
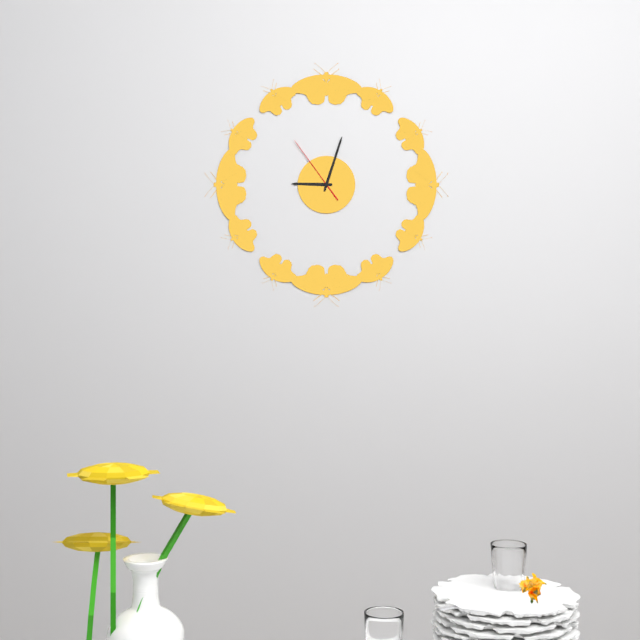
{"hour": 9, "minute": 3, "second": 54}
